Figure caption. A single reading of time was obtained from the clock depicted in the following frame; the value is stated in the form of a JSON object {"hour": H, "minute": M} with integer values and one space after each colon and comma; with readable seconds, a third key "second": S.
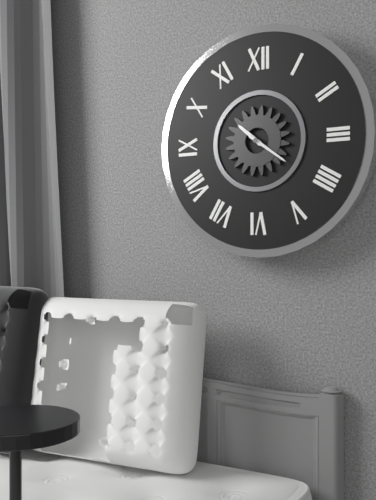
{"hour": 10, "minute": 21}
